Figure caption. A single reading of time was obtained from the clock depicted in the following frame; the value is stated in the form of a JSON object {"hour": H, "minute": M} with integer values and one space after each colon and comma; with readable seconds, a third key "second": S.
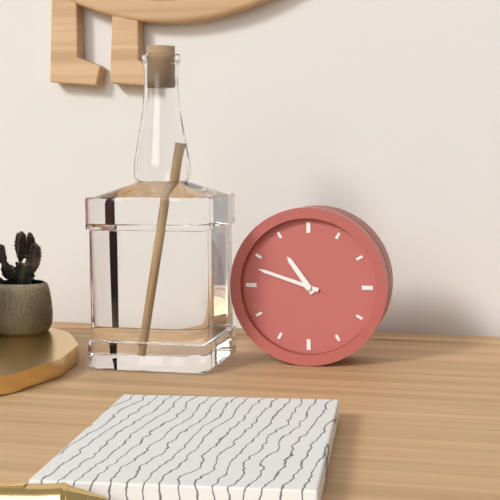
{"hour": 10, "minute": 48}
